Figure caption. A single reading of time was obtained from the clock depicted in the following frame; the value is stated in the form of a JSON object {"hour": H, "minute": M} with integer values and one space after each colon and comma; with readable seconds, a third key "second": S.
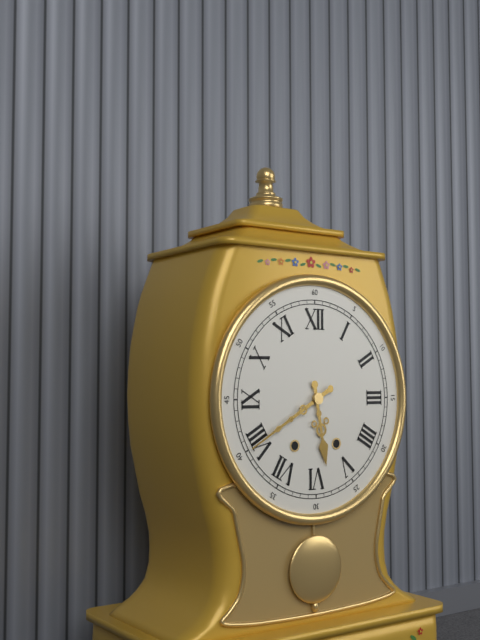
{"hour": 5, "minute": 40}
